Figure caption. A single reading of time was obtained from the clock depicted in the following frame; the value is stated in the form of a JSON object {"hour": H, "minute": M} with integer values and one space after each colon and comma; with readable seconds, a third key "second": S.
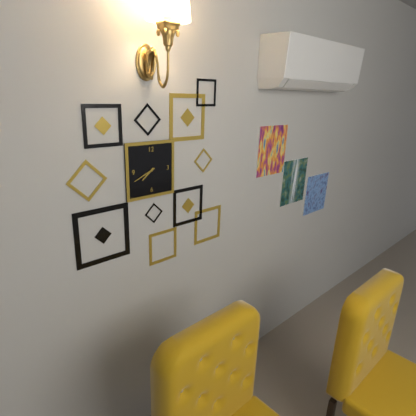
{"hour": 7, "minute": 41}
